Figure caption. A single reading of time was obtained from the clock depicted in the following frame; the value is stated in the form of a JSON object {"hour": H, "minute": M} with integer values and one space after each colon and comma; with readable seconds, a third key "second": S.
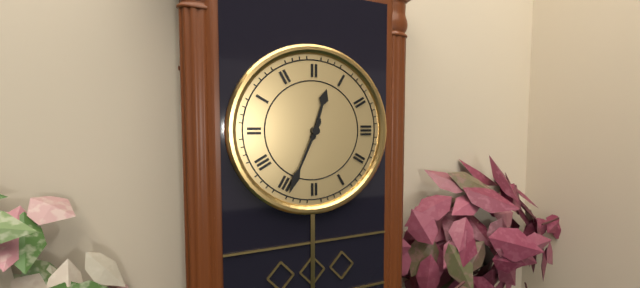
{"hour": 12, "minute": 34}
